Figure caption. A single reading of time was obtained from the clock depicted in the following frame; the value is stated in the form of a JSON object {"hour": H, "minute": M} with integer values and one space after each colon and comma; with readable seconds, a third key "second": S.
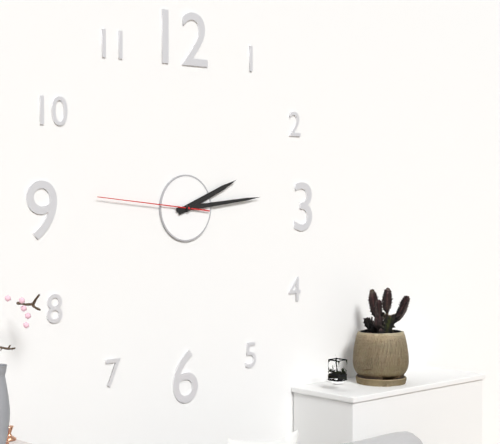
{"hour": 2, "minute": 14, "second": 46}
